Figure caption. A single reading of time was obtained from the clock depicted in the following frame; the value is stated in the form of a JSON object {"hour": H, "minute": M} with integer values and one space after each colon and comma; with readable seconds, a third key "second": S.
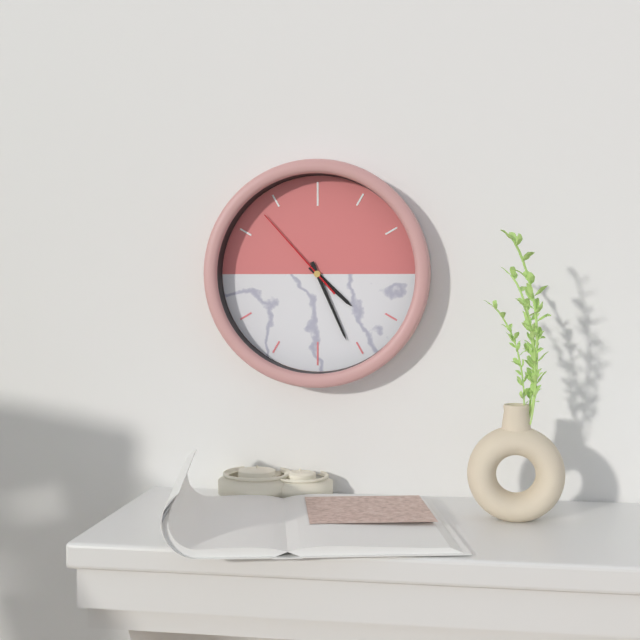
{"hour": 4, "minute": 26, "second": 53}
